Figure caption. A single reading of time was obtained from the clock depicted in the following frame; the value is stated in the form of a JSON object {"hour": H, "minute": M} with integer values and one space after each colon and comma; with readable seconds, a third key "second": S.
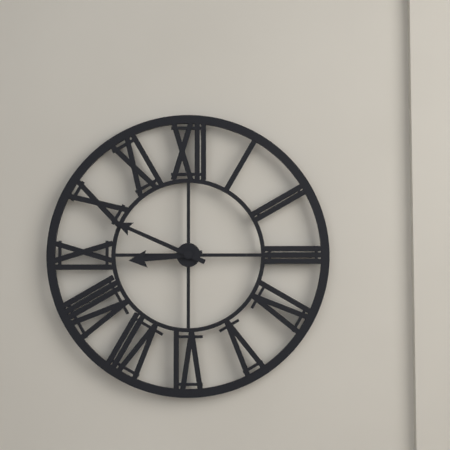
{"hour": 8, "minute": 49}
